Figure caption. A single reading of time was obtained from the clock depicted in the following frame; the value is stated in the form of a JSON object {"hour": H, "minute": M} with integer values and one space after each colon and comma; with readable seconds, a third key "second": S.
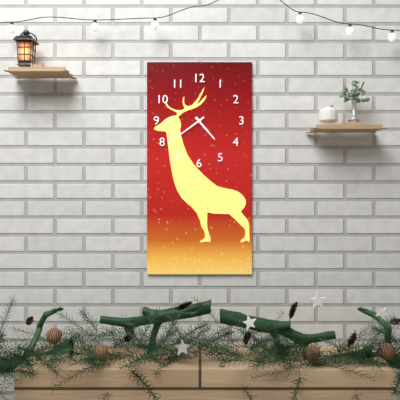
{"hour": 4, "minute": 39}
